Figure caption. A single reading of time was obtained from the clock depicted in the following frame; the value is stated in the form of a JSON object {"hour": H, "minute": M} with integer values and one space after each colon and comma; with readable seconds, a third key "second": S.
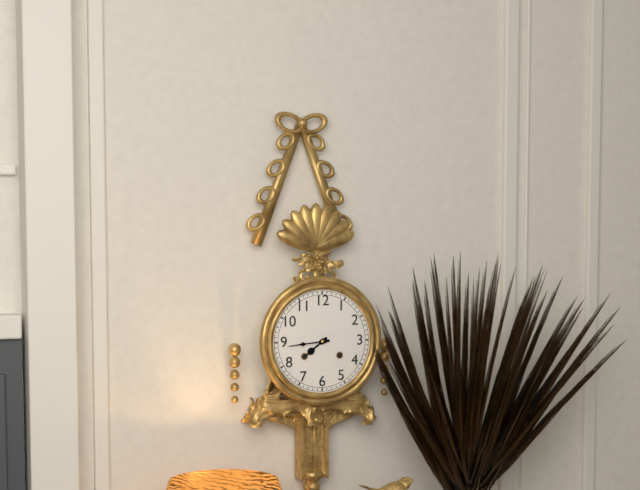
{"hour": 7, "minute": 44}
